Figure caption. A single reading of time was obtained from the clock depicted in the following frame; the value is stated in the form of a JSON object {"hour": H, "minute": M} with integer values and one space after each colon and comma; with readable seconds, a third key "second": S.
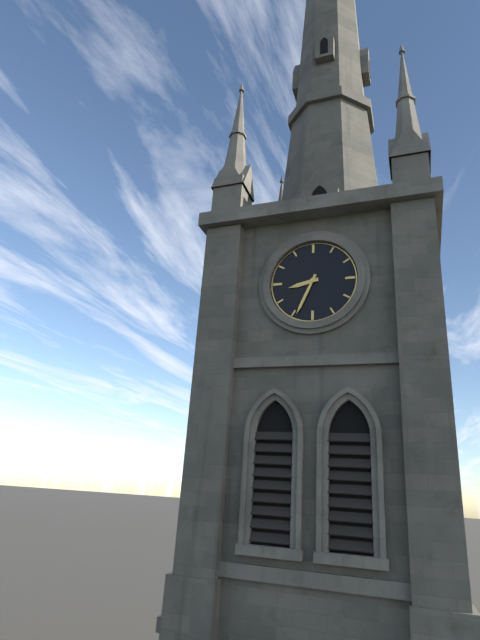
{"hour": 8, "minute": 34}
